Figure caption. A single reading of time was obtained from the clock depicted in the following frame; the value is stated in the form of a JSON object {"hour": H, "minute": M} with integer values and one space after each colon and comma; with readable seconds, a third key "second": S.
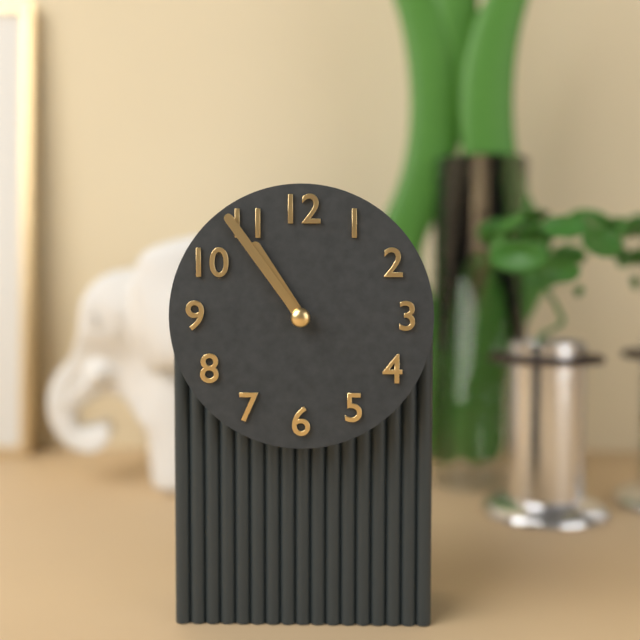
{"hour": 10, "minute": 54}
